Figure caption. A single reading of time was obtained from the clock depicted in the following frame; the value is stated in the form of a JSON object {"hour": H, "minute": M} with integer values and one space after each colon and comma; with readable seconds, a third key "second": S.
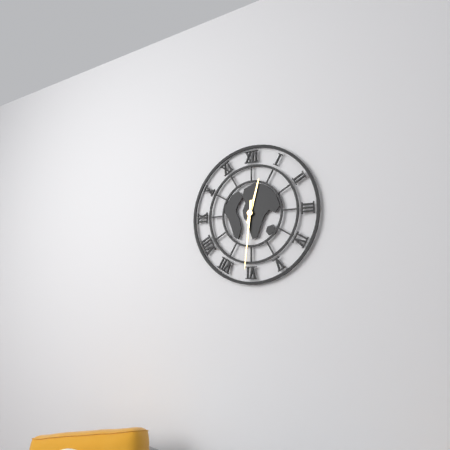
{"hour": 12, "minute": 31}
